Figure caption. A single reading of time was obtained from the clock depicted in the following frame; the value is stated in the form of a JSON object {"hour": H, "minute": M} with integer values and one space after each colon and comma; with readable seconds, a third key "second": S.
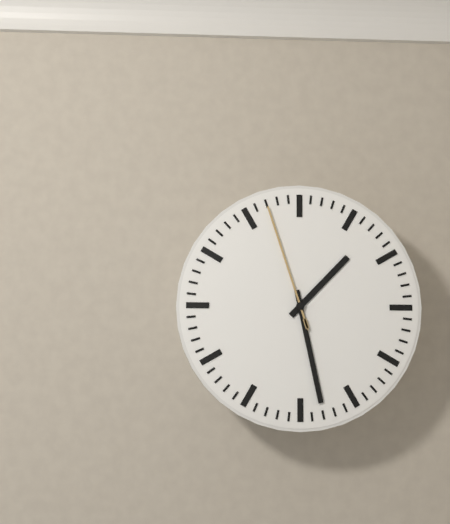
{"hour": 1, "minute": 28, "second": 57}
